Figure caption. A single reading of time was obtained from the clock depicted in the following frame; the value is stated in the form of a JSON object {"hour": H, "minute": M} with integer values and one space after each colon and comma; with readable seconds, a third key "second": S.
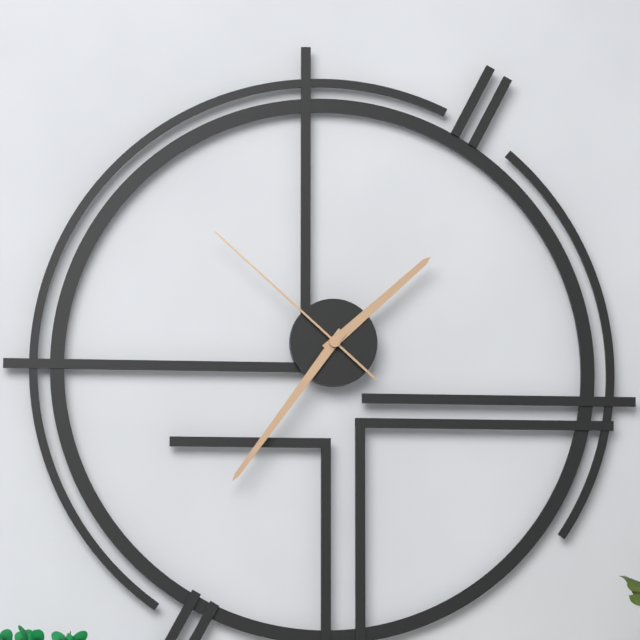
{"hour": 1, "minute": 36, "second": 52}
